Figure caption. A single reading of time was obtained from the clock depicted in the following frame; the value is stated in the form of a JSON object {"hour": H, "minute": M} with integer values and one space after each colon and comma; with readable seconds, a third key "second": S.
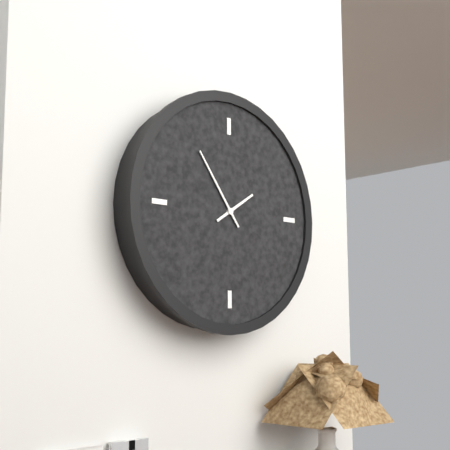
{"hour": 1, "minute": 54}
